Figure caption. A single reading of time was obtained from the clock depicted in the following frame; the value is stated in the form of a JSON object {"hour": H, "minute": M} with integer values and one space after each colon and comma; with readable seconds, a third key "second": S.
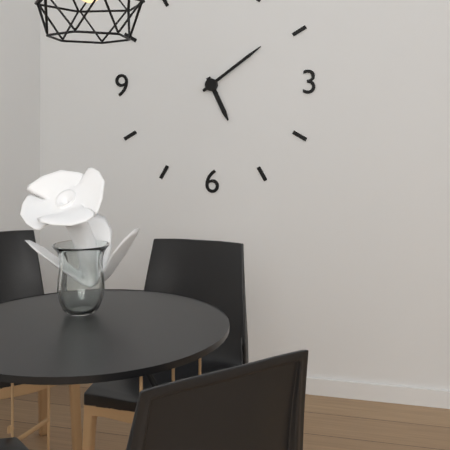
{"hour": 5, "minute": 9}
